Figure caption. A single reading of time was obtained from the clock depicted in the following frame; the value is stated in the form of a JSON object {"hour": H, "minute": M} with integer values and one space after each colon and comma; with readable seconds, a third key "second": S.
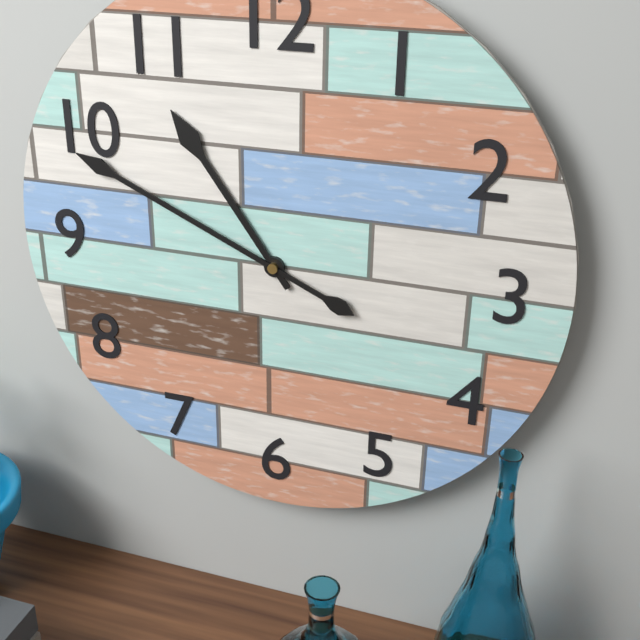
{"hour": 10, "minute": 49}
